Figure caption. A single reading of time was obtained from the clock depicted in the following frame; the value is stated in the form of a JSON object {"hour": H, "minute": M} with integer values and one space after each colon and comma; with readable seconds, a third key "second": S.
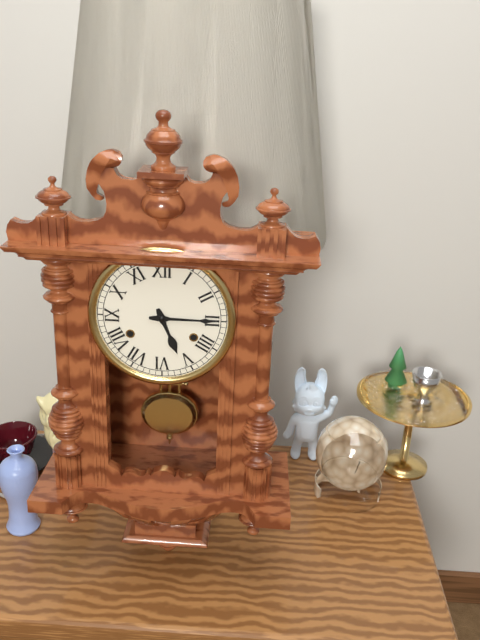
{"hour": 5, "minute": 15}
